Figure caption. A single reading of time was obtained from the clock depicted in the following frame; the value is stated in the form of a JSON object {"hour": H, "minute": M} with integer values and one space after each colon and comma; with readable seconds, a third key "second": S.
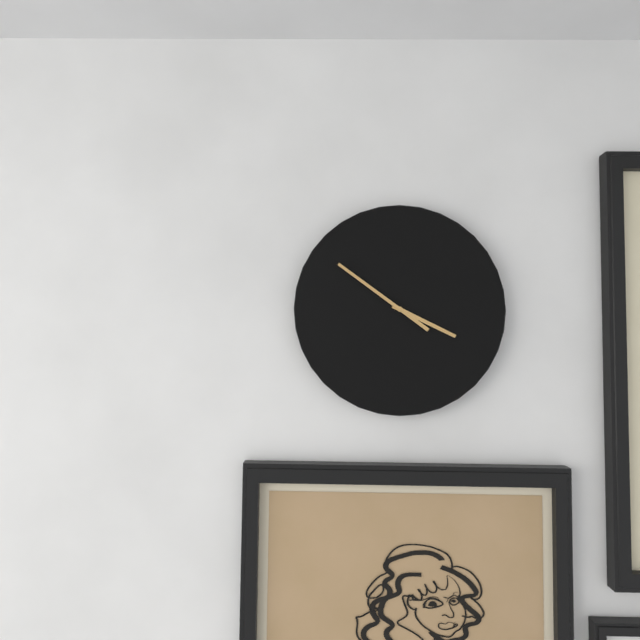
{"hour": 3, "minute": 51}
